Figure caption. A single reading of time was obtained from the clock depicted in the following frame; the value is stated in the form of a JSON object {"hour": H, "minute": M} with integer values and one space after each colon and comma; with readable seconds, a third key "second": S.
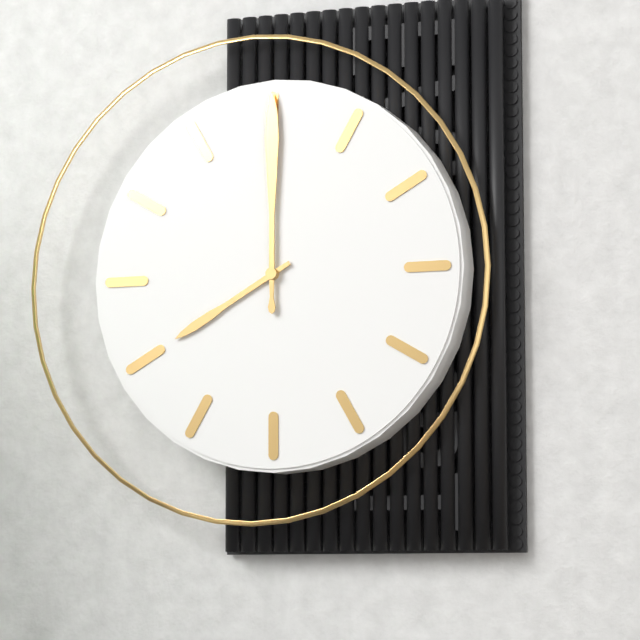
{"hour": 8, "minute": 0}
